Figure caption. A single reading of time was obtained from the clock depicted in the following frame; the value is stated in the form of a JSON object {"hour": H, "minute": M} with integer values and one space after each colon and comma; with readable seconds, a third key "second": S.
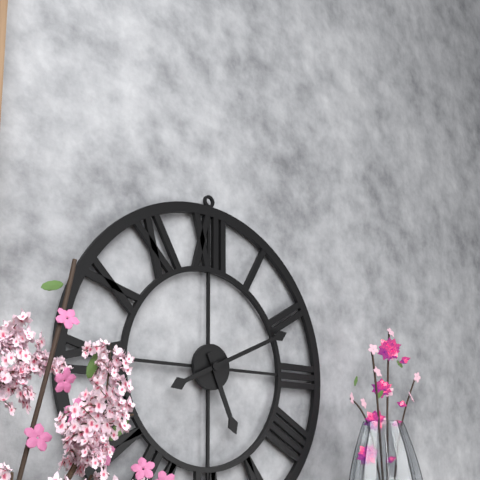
{"hour": 5, "minute": 11}
